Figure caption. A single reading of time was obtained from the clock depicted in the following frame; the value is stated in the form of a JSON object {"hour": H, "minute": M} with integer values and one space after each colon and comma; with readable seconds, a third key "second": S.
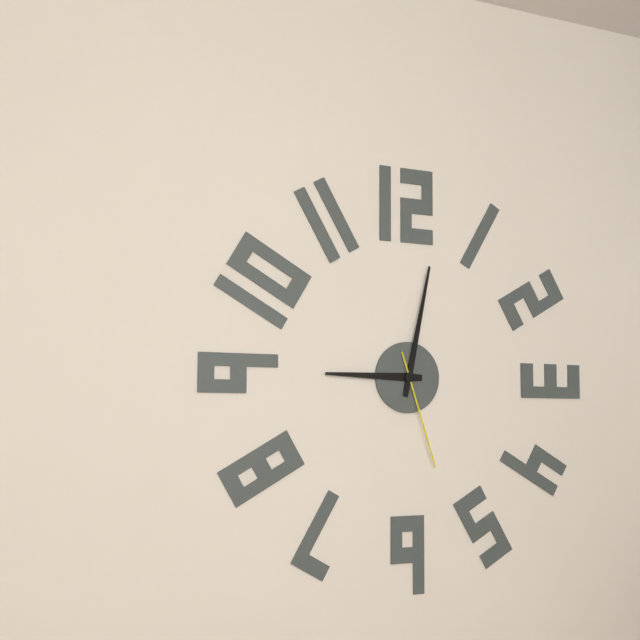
{"hour": 9, "minute": 2, "second": 27}
